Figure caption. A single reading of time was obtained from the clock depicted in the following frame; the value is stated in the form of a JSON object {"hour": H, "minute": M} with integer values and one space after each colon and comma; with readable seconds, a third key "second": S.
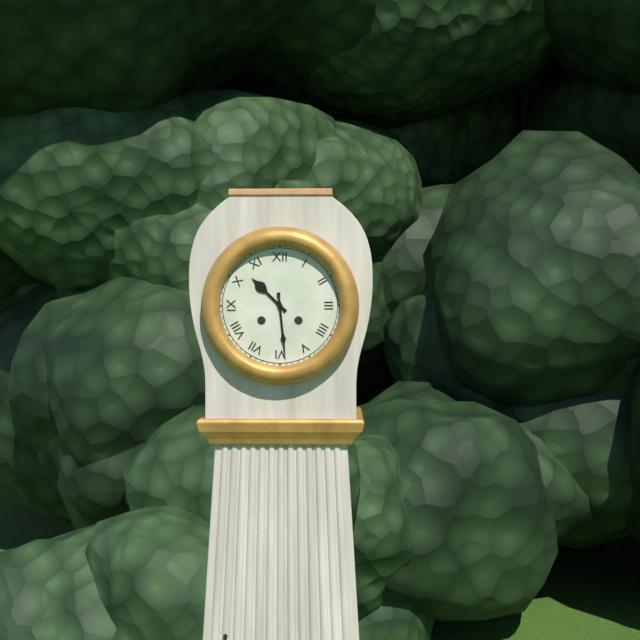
{"hour": 10, "minute": 29}
